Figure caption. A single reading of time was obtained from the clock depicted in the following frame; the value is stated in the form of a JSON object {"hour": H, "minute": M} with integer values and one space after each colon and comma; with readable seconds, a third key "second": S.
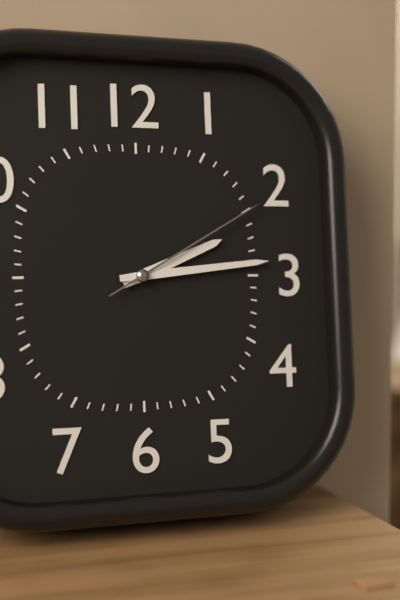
{"hour": 2, "minute": 14, "second": 10}
